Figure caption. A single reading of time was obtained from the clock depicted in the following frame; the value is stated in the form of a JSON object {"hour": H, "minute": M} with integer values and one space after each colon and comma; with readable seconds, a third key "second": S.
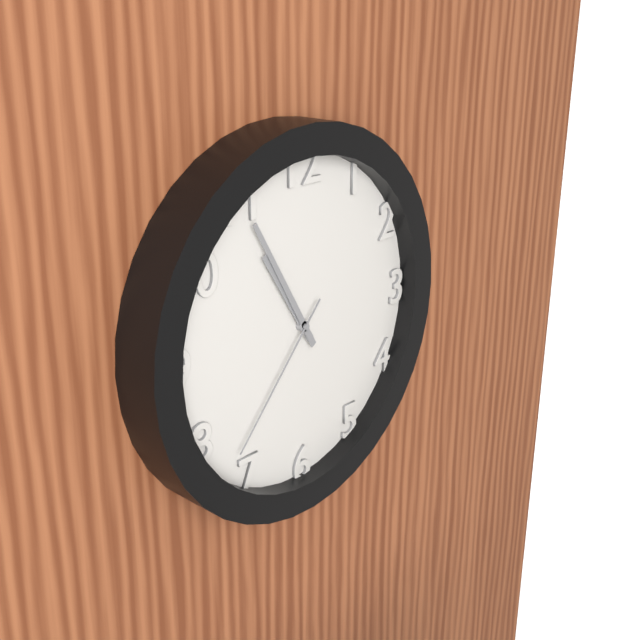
{"hour": 10, "minute": 55, "second": 37}
